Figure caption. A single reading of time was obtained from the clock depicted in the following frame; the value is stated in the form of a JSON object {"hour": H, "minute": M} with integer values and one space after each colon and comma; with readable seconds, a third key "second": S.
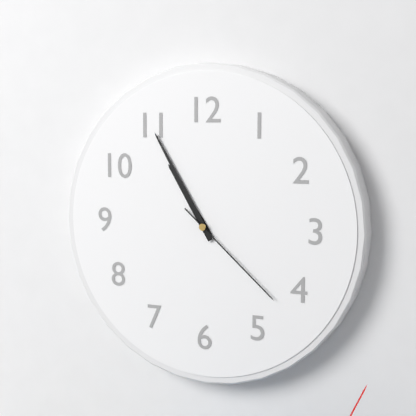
{"hour": 10, "minute": 55, "second": 22}
